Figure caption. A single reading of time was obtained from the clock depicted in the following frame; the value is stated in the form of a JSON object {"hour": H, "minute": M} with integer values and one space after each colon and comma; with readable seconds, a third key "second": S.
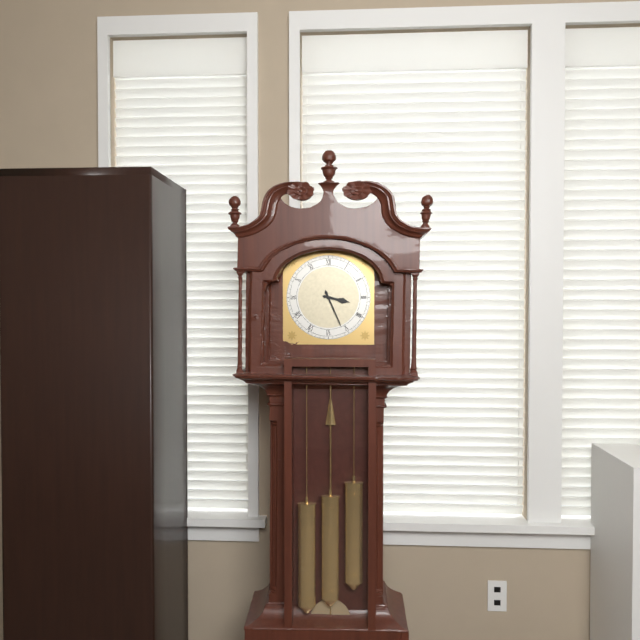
{"hour": 3, "minute": 26}
